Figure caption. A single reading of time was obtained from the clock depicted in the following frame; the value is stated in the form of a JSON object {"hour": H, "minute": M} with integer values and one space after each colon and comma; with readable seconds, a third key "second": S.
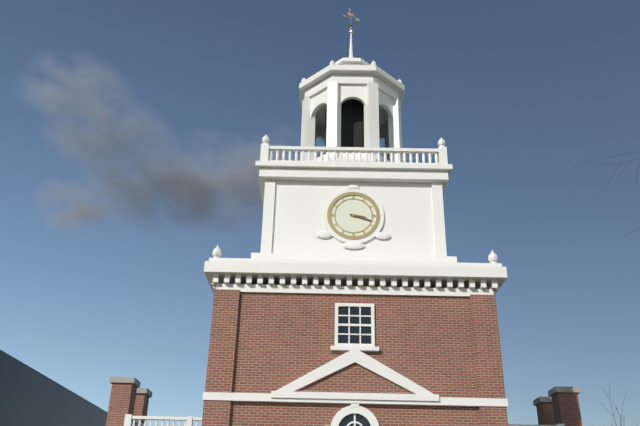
{"hour": 3, "minute": 18}
